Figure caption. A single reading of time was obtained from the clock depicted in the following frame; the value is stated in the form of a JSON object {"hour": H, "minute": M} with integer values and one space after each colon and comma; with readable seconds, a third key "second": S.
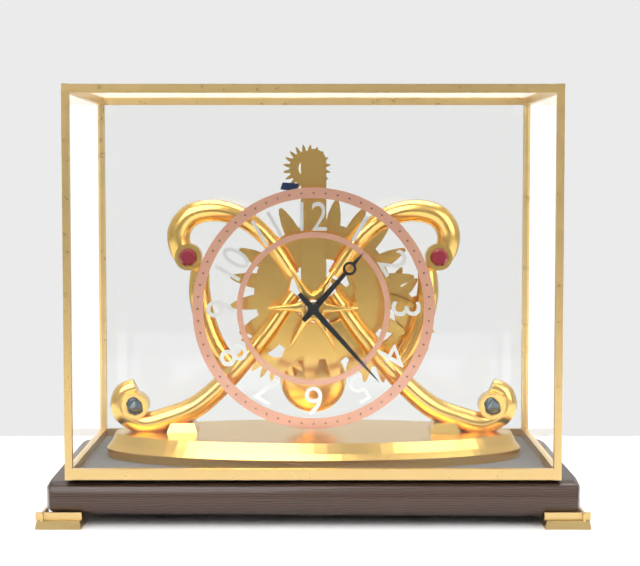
{"hour": 1, "minute": 23}
